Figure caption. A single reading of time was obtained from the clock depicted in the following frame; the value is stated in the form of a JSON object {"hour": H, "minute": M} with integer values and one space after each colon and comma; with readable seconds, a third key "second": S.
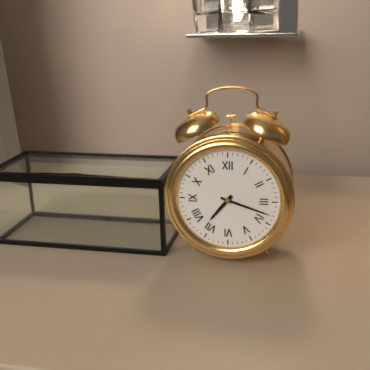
{"hour": 7, "minute": 18}
